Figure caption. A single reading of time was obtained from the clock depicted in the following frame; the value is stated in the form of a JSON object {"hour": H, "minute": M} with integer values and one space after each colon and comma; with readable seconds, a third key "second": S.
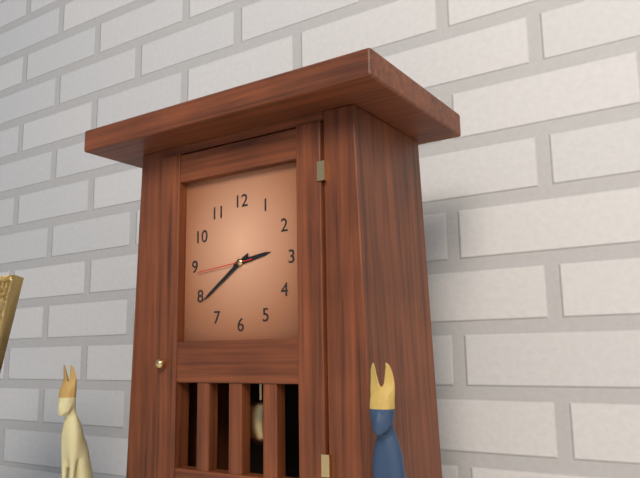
{"hour": 2, "minute": 39, "second": 44}
